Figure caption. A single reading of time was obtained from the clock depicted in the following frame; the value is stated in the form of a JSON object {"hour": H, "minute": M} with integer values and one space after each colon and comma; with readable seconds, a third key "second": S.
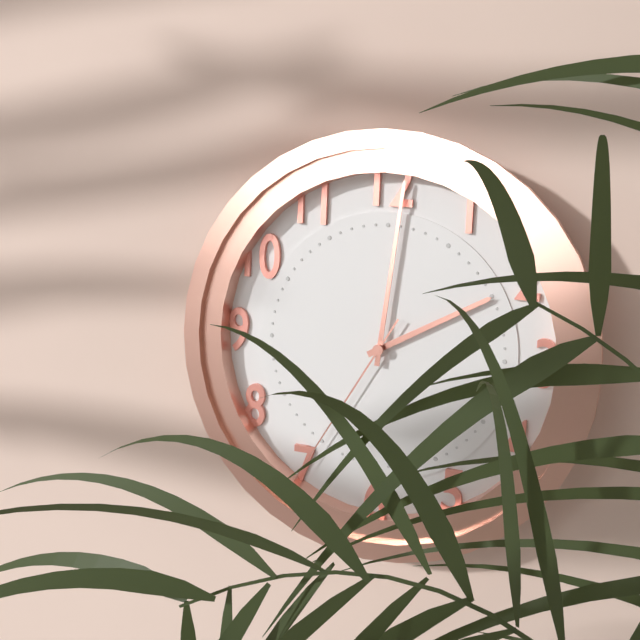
{"hour": 2, "minute": 1, "second": 35}
